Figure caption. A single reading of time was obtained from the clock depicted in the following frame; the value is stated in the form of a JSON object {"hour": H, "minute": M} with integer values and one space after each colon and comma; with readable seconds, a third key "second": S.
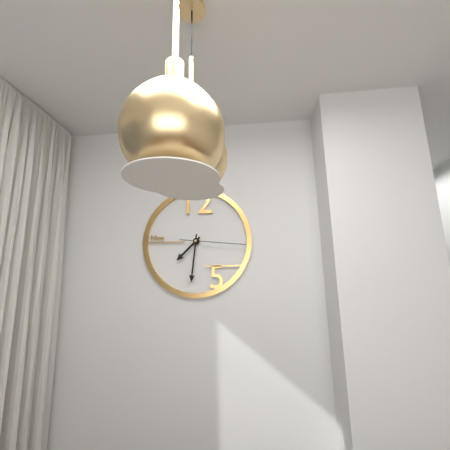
{"hour": 7, "minute": 31, "second": 16}
